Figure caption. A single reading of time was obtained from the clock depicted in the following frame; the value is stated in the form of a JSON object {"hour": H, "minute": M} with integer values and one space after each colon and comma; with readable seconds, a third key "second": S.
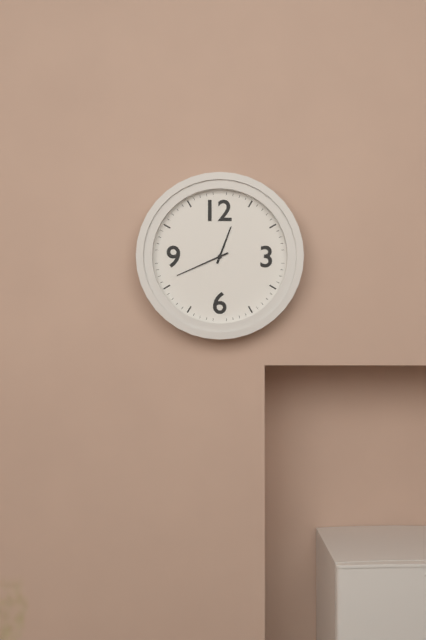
{"hour": 12, "minute": 41}
